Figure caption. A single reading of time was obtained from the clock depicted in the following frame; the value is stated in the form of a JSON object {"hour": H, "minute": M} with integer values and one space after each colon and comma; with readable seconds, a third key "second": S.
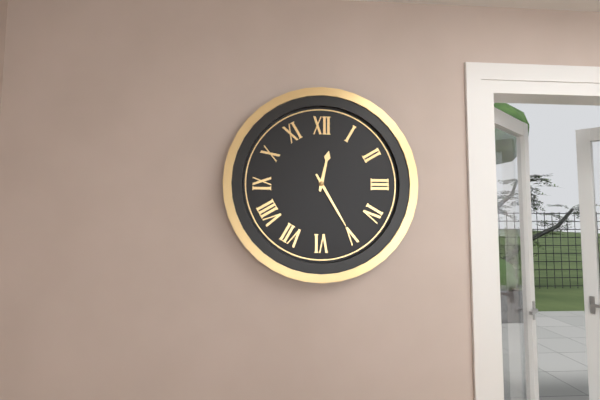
{"hour": 12, "minute": 25}
